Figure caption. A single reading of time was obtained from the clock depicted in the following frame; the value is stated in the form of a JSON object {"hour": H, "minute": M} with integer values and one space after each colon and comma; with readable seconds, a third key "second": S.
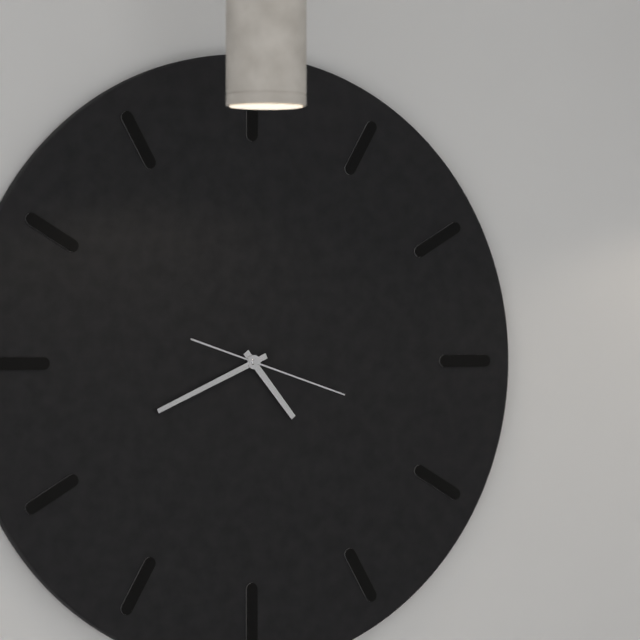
{"hour": 4, "minute": 41, "second": 18}
